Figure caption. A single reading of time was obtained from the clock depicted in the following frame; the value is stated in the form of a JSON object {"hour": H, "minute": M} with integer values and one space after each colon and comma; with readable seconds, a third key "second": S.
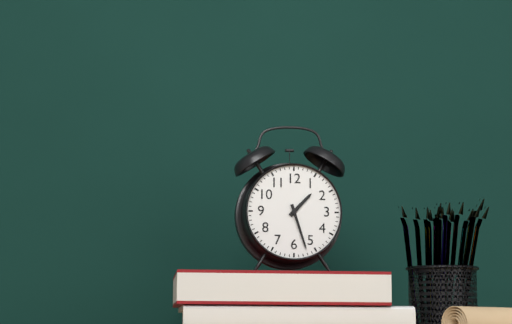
{"hour": 1, "minute": 27}
